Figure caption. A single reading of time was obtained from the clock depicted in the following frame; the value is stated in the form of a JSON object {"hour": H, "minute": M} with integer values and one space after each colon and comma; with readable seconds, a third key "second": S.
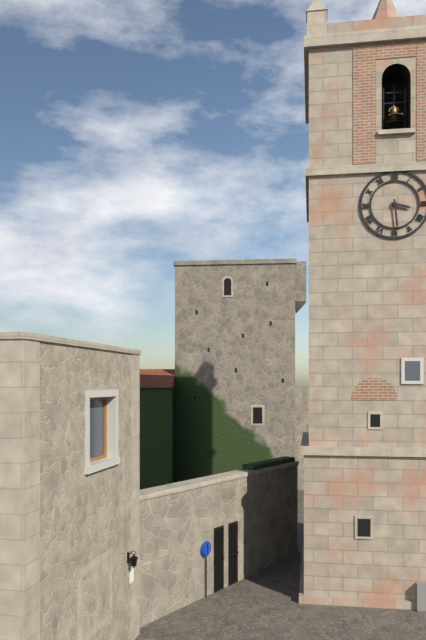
{"hour": 3, "minute": 29}
